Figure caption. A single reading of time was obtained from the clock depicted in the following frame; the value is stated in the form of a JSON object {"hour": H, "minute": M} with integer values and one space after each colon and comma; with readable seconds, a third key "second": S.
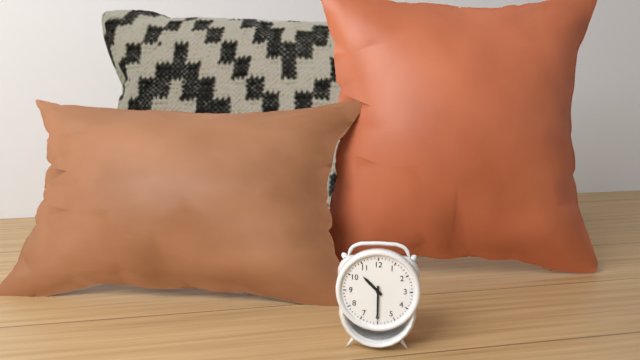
{"hour": 10, "minute": 30}
